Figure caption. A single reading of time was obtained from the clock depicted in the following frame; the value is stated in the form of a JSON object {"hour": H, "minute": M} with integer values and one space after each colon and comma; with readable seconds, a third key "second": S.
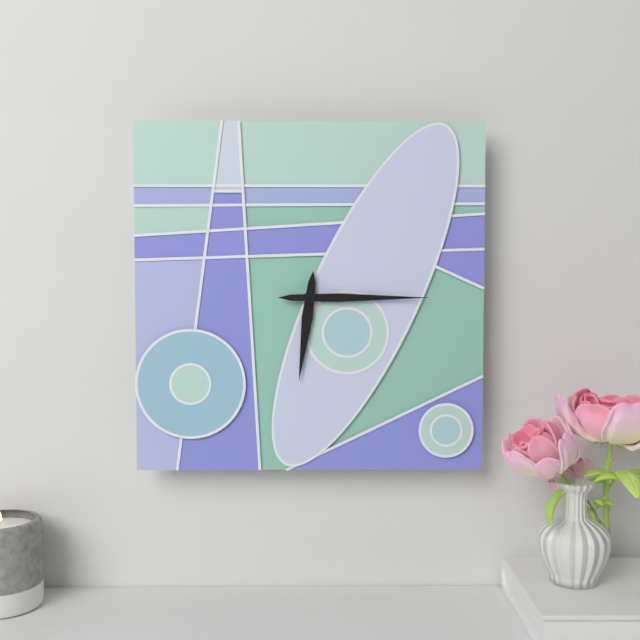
{"hour": 6, "minute": 15}
